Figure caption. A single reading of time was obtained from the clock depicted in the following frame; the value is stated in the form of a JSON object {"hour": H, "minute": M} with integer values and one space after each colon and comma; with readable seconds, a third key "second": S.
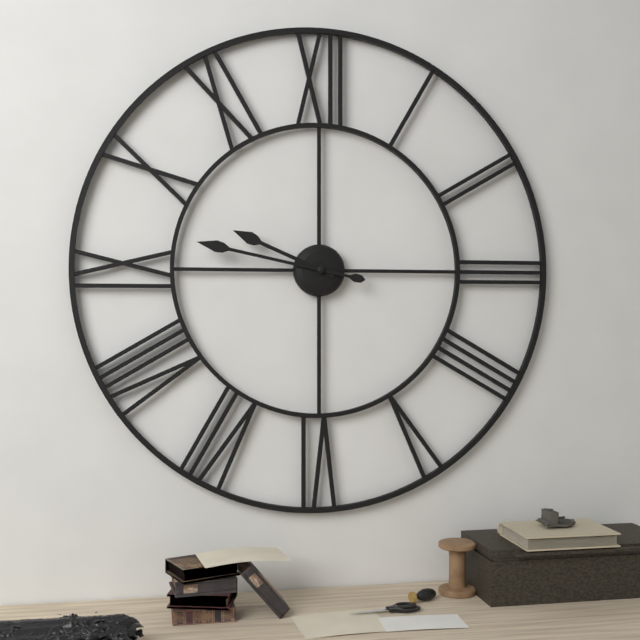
{"hour": 9, "minute": 47}
